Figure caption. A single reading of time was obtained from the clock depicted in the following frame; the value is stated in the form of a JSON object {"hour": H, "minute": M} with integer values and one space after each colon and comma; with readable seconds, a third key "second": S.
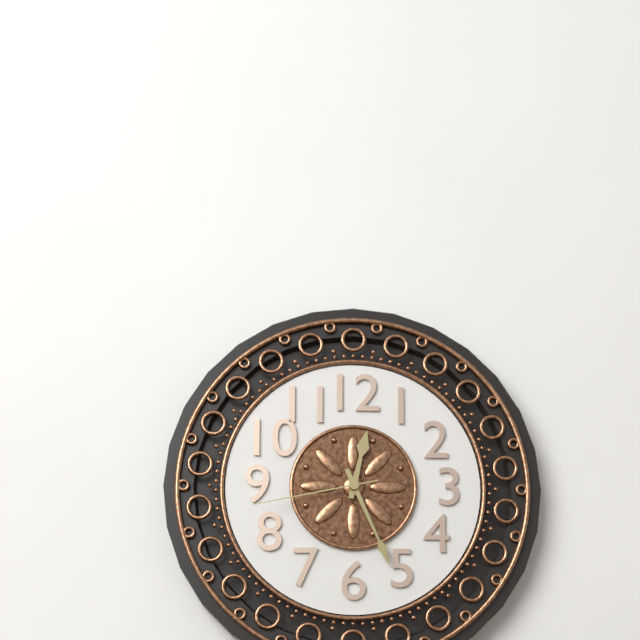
{"hour": 12, "minute": 26, "second": 43}
